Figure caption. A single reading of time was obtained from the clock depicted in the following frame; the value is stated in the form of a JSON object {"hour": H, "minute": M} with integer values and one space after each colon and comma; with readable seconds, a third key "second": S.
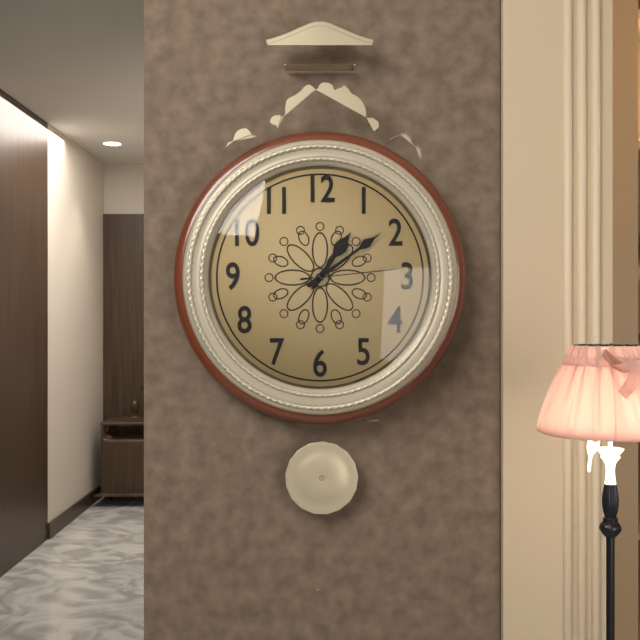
{"hour": 1, "minute": 9, "second": 14}
